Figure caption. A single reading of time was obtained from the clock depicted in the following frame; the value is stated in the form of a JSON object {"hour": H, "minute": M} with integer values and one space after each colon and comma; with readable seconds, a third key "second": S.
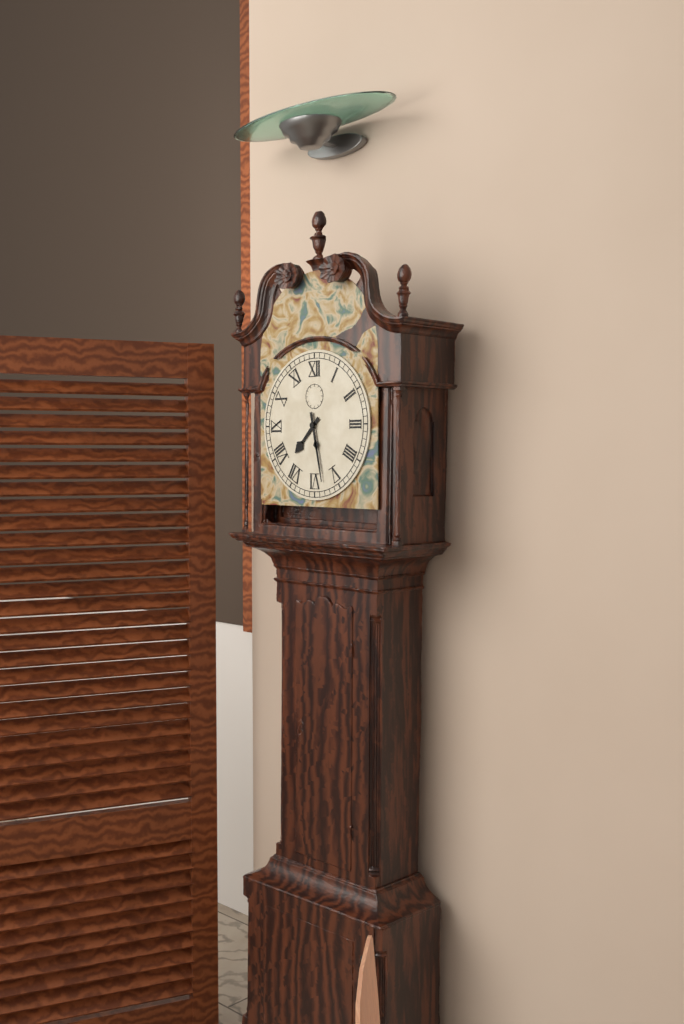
{"hour": 7, "minute": 28}
